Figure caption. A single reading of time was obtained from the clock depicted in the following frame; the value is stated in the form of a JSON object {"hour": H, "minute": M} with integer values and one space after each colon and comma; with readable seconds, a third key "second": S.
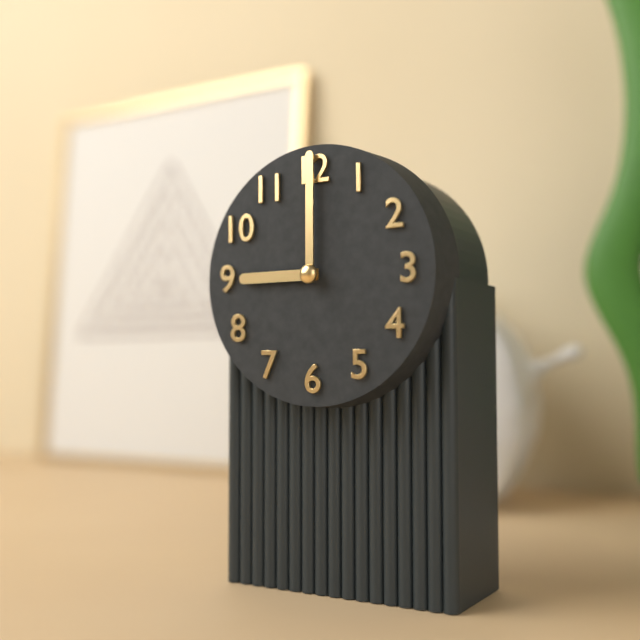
{"hour": 9, "minute": 0}
